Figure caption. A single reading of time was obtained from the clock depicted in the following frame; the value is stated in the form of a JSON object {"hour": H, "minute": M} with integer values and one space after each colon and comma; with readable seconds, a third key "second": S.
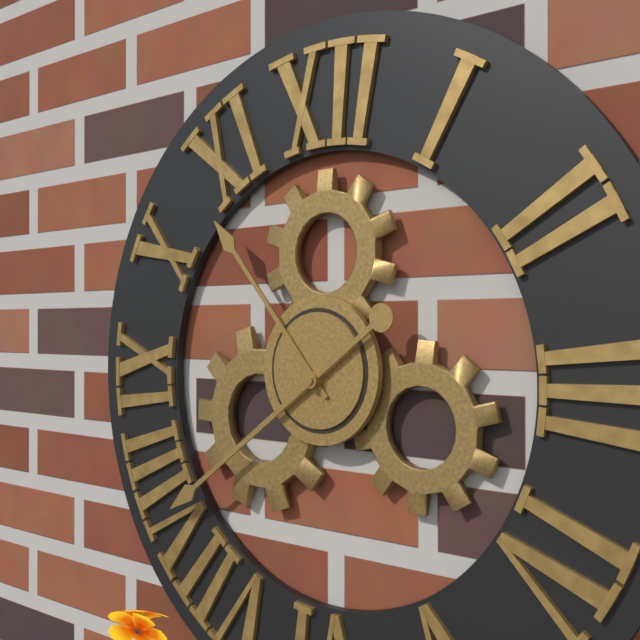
{"hour": 10, "minute": 39}
